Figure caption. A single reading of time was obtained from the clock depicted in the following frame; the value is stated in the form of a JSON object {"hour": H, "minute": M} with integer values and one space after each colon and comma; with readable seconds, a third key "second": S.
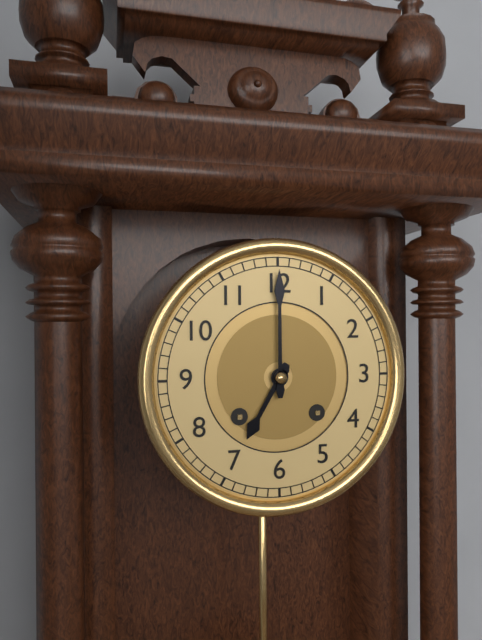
{"hour": 7, "minute": 0}
